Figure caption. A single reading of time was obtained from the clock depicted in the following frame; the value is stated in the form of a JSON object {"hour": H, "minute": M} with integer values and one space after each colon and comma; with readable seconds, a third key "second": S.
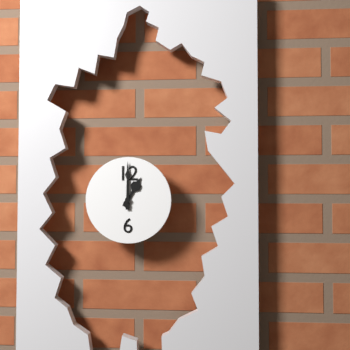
{"hour": 1, "minute": 0}
